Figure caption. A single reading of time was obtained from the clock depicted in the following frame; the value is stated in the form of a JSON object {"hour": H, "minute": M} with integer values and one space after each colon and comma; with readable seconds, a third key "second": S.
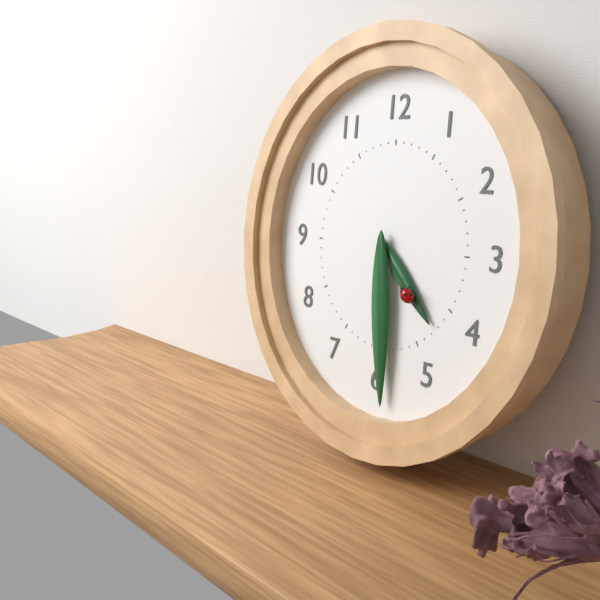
{"hour": 4, "minute": 29}
